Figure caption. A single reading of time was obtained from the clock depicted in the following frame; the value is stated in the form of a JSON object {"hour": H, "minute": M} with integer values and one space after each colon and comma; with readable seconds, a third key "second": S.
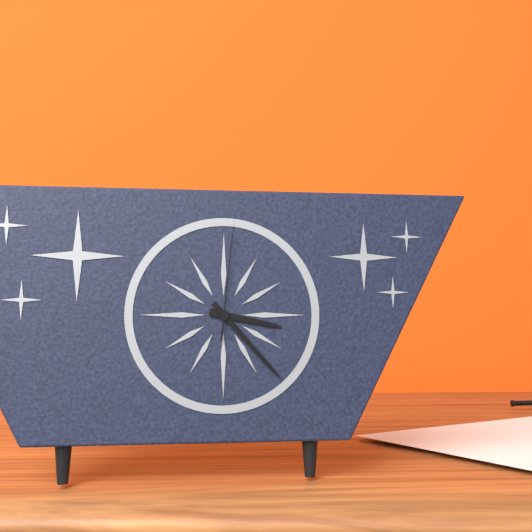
{"hour": 3, "minute": 23, "second": 1}
